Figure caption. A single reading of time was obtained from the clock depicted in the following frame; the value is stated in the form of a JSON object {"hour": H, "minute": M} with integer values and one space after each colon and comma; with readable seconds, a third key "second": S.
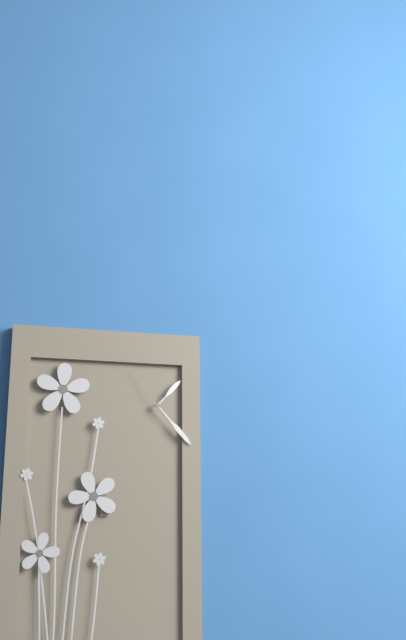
{"hour": 1, "minute": 23, "second": 55}
